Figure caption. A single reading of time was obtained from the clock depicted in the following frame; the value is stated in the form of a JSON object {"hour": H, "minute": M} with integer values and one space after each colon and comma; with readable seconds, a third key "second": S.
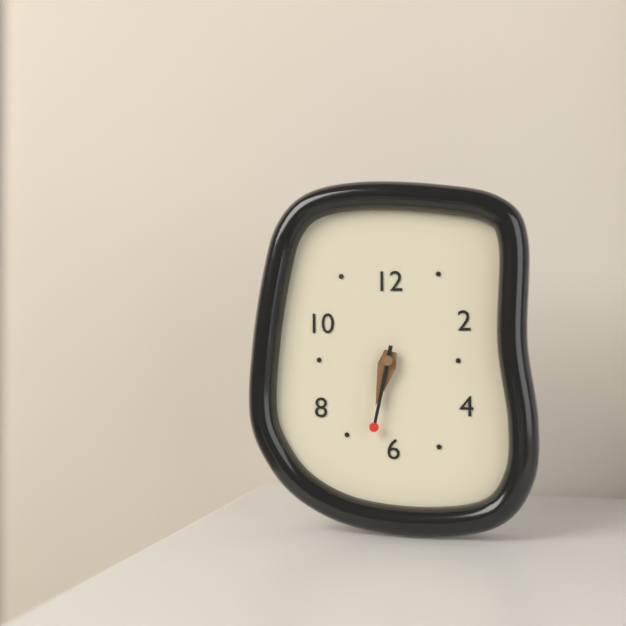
{"hour": 6, "minute": 32}
